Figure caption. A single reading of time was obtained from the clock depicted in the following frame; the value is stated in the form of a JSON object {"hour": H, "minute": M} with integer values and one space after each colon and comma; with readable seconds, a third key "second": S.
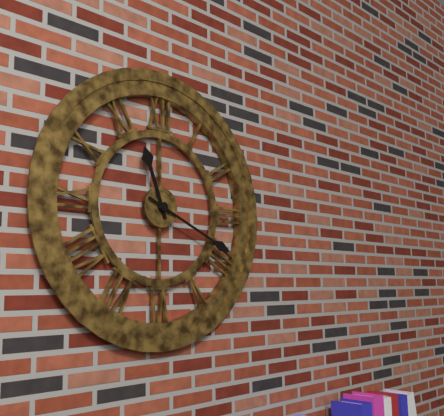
{"hour": 11, "minute": 19}
